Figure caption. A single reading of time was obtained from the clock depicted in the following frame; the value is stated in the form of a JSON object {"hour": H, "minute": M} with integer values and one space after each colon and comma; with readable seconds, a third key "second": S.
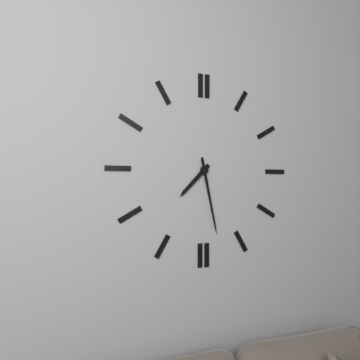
{"hour": 7, "minute": 28}
